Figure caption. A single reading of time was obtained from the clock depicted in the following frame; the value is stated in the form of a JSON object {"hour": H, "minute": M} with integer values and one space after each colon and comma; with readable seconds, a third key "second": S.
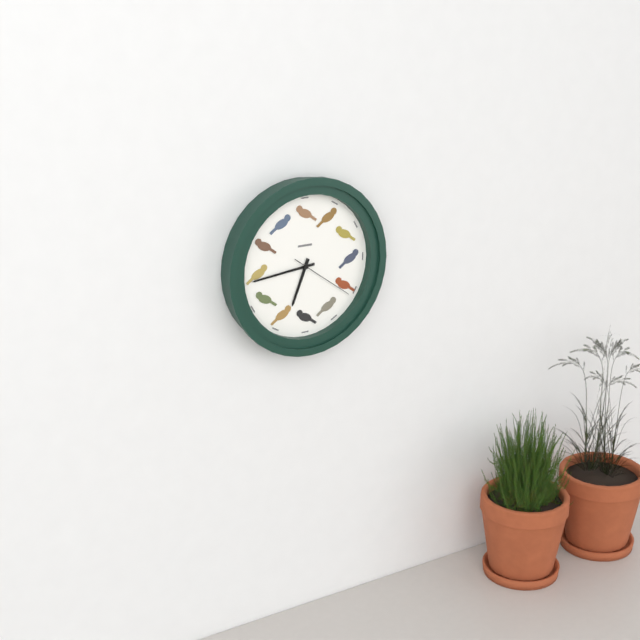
{"hour": 6, "minute": 44, "second": 21}
